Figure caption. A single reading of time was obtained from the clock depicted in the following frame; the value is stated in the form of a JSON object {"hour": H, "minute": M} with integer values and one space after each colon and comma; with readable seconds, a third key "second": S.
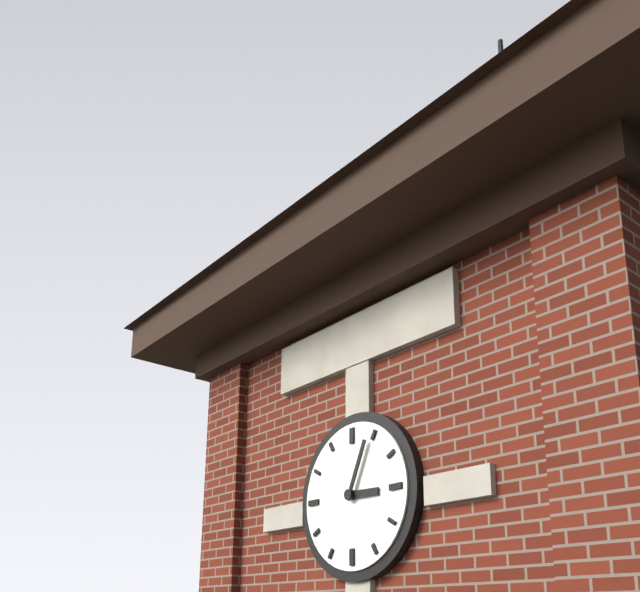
{"hour": 3, "minute": 4}
